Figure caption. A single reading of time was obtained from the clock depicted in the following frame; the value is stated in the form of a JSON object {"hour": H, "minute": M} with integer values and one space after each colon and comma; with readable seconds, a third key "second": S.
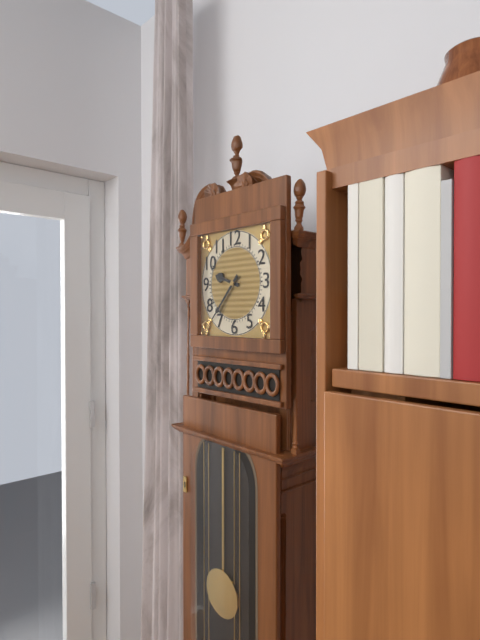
{"hour": 9, "minute": 37}
